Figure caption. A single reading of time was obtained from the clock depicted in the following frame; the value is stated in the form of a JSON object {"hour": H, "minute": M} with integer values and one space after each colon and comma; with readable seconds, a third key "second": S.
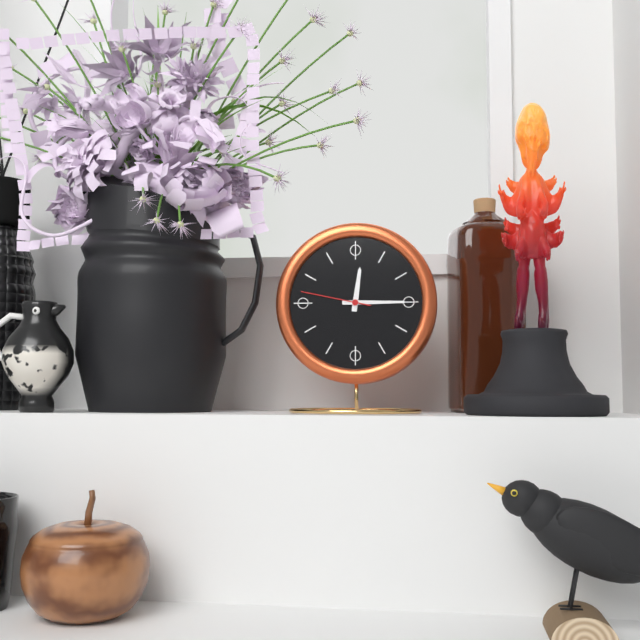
{"hour": 12, "minute": 15, "second": 47}
